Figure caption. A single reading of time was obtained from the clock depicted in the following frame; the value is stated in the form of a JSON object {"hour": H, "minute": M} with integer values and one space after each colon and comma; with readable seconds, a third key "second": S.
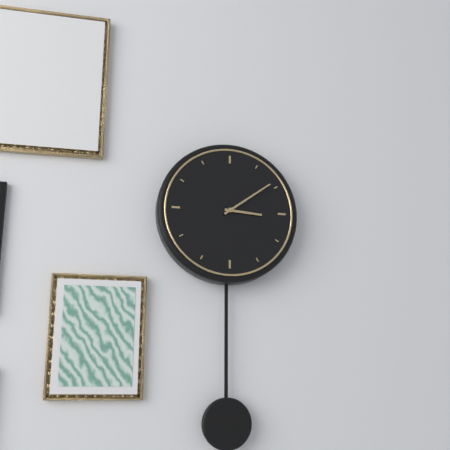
{"hour": 3, "minute": 9}
